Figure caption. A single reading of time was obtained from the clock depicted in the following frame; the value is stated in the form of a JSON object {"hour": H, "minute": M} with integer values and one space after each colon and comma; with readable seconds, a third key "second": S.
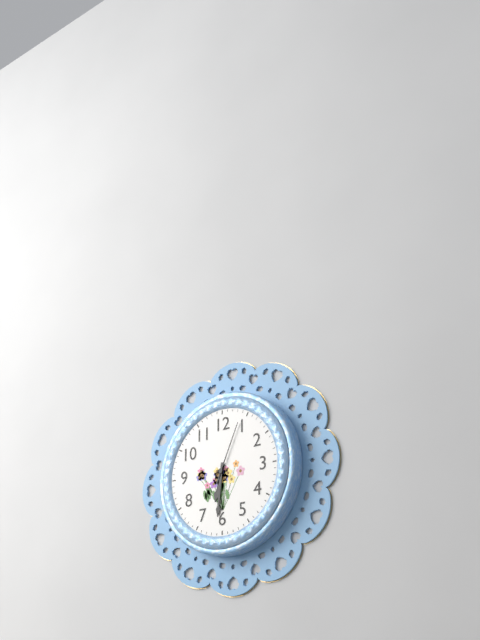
{"hour": 6, "minute": 31, "second": 4}
